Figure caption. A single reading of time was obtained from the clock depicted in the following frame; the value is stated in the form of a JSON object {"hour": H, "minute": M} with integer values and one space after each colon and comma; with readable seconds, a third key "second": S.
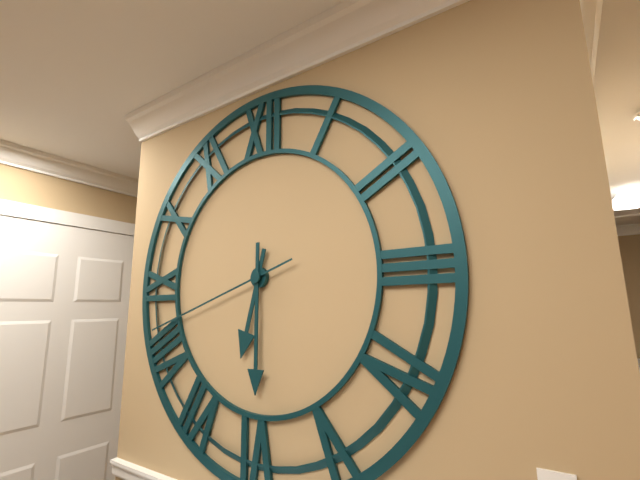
{"hour": 6, "minute": 30, "second": 42}
